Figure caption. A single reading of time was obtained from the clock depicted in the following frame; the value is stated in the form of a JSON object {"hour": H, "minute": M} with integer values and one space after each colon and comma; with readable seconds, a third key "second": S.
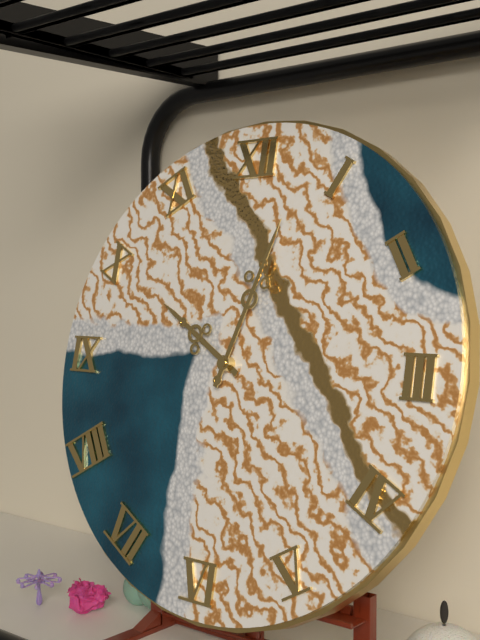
{"hour": 10, "minute": 3}
